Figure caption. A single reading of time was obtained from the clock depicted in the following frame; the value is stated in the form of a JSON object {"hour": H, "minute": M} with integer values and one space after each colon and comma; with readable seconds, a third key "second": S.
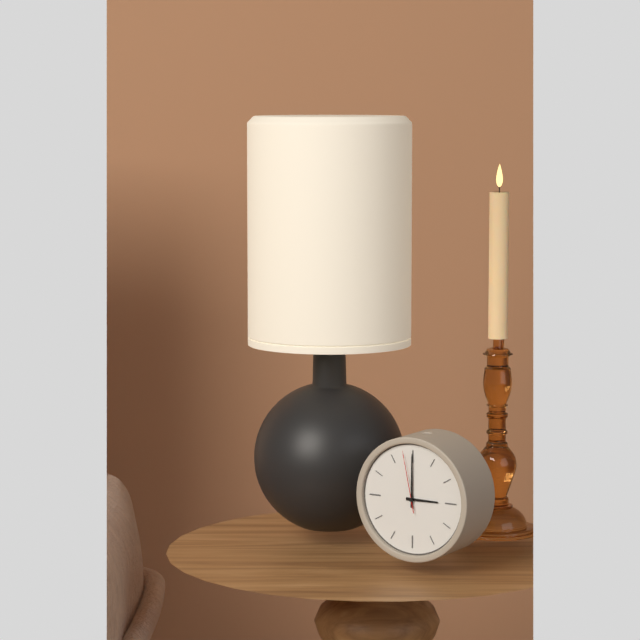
{"hour": 3, "minute": 0, "second": 58}
